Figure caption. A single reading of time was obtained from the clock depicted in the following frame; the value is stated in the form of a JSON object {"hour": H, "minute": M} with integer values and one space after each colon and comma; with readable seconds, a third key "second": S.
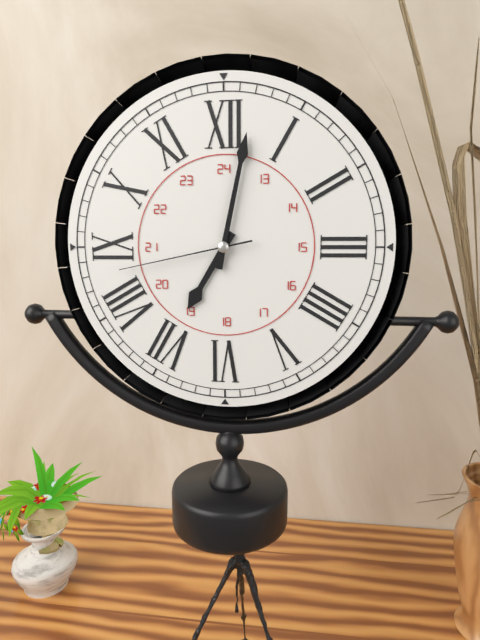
{"hour": 7, "minute": 2, "second": 43}
